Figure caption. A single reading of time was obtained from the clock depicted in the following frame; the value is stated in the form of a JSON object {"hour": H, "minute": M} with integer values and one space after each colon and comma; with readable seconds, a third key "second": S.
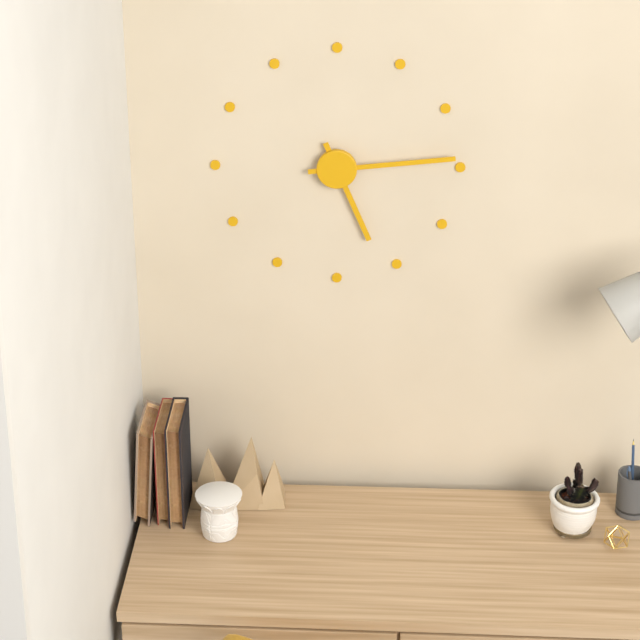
{"hour": 5, "minute": 14}
